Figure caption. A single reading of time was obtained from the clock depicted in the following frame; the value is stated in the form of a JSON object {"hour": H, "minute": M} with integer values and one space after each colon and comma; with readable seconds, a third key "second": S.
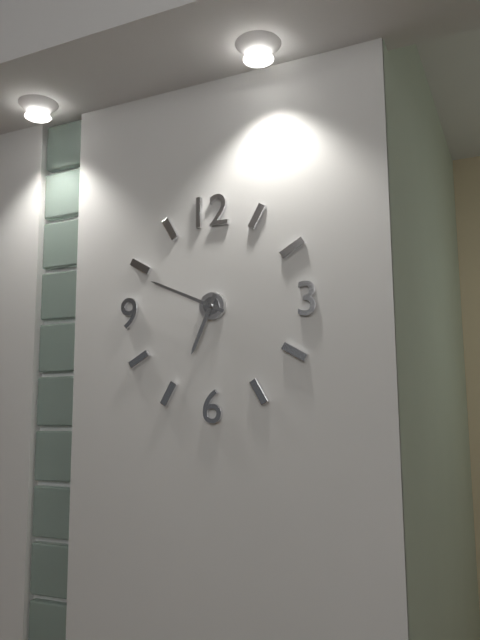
{"hour": 6, "minute": 49}
